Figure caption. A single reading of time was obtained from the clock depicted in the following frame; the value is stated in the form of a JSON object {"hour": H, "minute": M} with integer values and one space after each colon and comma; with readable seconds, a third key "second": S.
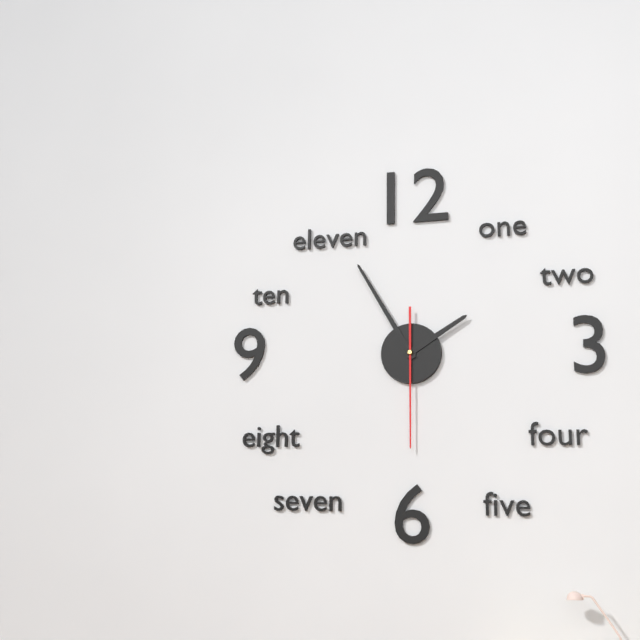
{"hour": 1, "minute": 55, "second": 30}
